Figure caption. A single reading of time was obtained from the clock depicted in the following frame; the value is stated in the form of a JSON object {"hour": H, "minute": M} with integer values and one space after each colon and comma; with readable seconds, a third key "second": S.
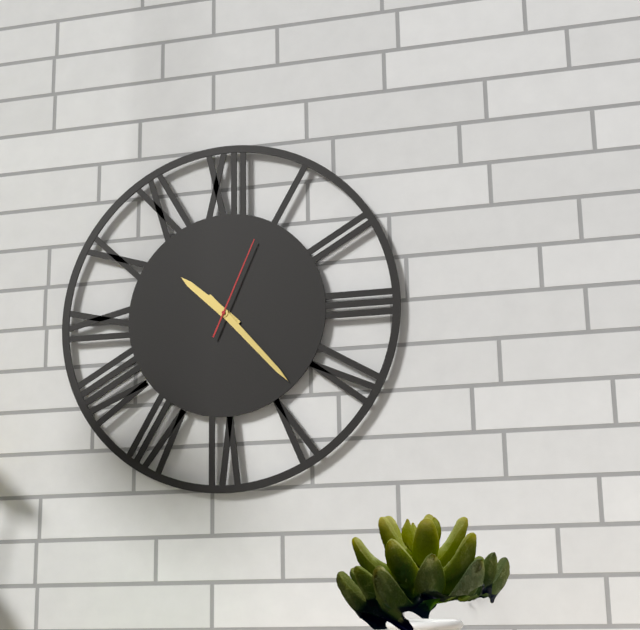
{"hour": 10, "minute": 23, "second": 4}
